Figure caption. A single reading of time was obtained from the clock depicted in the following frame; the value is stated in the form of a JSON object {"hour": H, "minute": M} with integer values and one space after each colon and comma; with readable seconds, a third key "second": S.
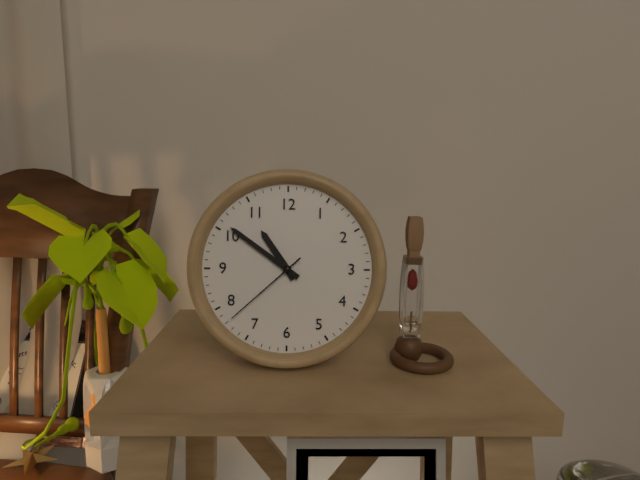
{"hour": 10, "minute": 51, "second": 38}
